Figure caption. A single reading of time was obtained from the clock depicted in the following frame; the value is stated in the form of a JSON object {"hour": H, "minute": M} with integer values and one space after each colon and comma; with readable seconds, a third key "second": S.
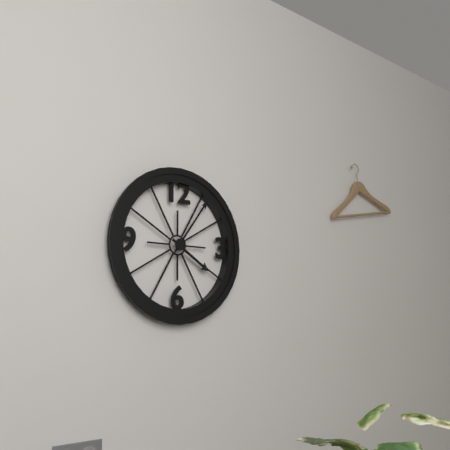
{"hour": 4, "minute": 6}
